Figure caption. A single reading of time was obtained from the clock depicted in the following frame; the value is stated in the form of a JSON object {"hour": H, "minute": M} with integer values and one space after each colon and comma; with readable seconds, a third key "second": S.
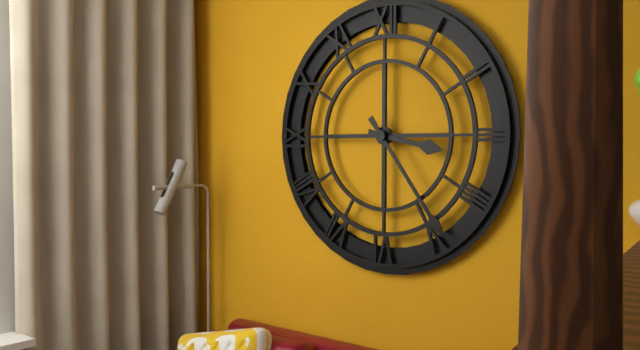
{"hour": 3, "minute": 24}
